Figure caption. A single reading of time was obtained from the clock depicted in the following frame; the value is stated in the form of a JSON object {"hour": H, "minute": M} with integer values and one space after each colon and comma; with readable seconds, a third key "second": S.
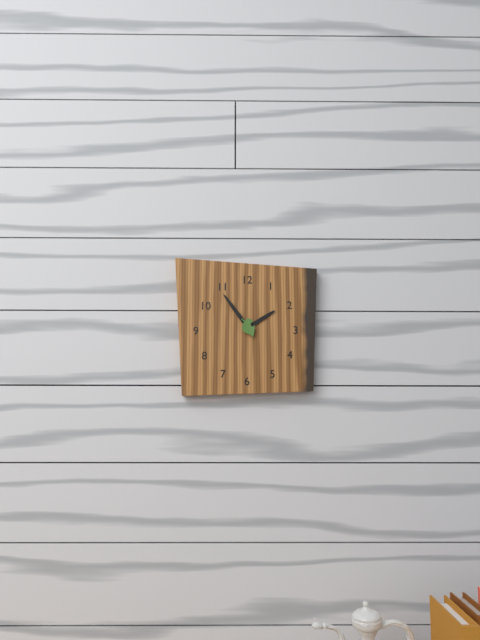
{"hour": 1, "minute": 54}
